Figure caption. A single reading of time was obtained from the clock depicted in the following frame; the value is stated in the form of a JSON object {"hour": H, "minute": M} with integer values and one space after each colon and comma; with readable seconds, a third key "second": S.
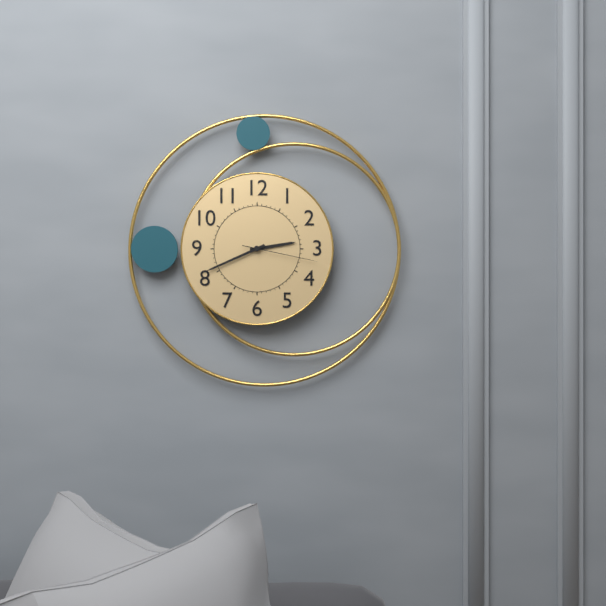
{"hour": 2, "minute": 41, "second": 17}
